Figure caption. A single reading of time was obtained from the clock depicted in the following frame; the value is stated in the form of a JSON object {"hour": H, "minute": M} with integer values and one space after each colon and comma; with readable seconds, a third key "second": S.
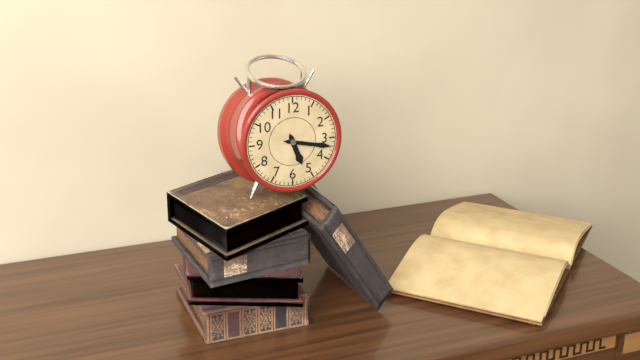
{"hour": 5, "minute": 17}
